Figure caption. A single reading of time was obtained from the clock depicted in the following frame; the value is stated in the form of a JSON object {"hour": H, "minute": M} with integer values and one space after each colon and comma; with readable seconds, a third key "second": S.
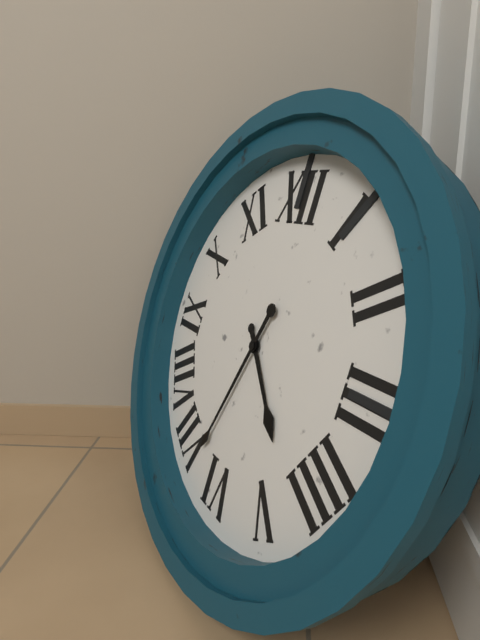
{"hour": 4, "minute": 33}
